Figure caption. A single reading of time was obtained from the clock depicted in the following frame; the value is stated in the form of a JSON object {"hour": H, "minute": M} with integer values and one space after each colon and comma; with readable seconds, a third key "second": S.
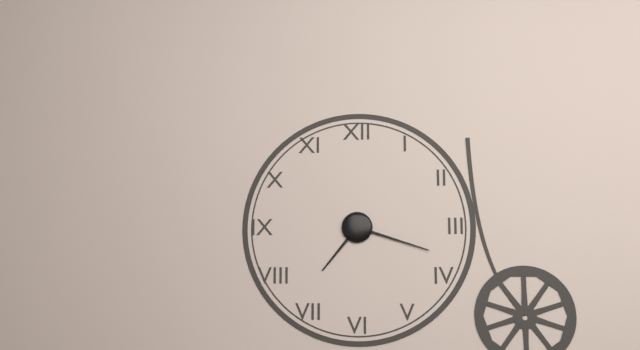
{"hour": 7, "minute": 18}
